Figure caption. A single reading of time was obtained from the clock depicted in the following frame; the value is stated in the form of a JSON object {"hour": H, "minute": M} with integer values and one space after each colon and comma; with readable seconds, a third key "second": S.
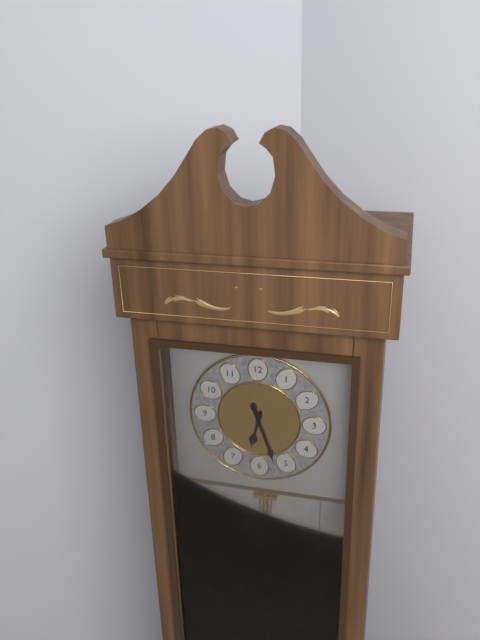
{"hour": 6, "minute": 27}
